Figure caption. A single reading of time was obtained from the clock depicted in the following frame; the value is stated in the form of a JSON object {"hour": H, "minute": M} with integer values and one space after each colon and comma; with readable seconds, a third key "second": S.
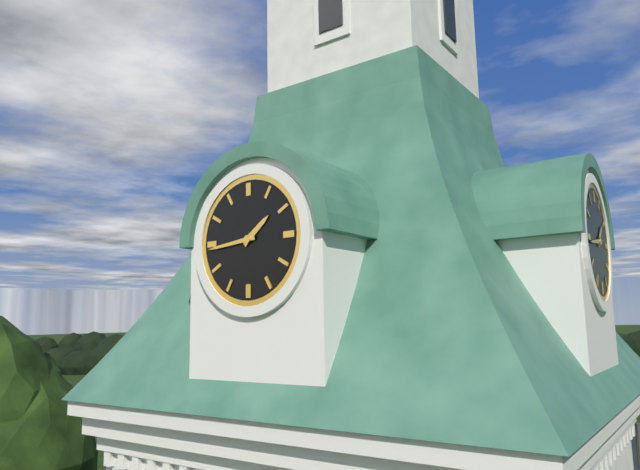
{"hour": 1, "minute": 44}
